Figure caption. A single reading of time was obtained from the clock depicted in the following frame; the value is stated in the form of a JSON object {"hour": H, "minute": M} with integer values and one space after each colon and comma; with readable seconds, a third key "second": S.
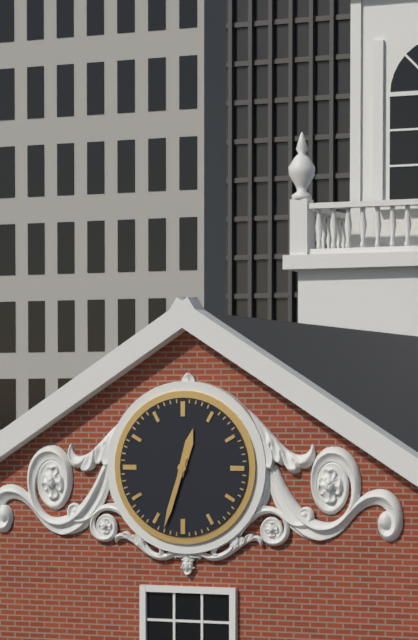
{"hour": 12, "minute": 33}
